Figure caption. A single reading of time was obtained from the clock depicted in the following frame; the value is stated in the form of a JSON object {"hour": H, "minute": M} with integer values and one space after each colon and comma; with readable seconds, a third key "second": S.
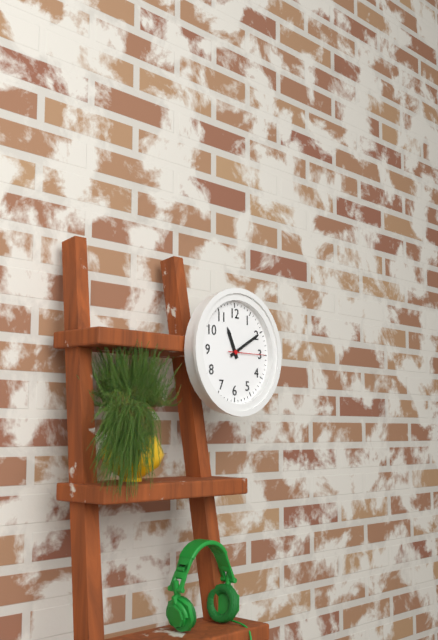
{"hour": 11, "minute": 10}
